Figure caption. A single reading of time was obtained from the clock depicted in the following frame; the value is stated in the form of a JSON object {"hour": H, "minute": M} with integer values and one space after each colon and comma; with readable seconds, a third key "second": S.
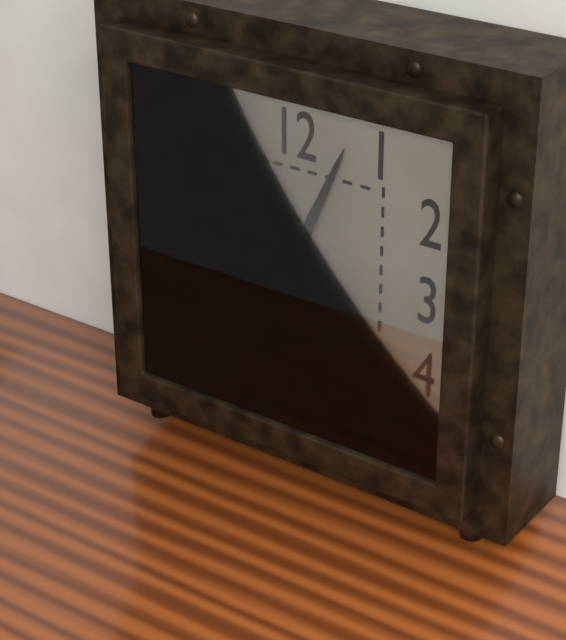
{"hour": 9, "minute": 4}
